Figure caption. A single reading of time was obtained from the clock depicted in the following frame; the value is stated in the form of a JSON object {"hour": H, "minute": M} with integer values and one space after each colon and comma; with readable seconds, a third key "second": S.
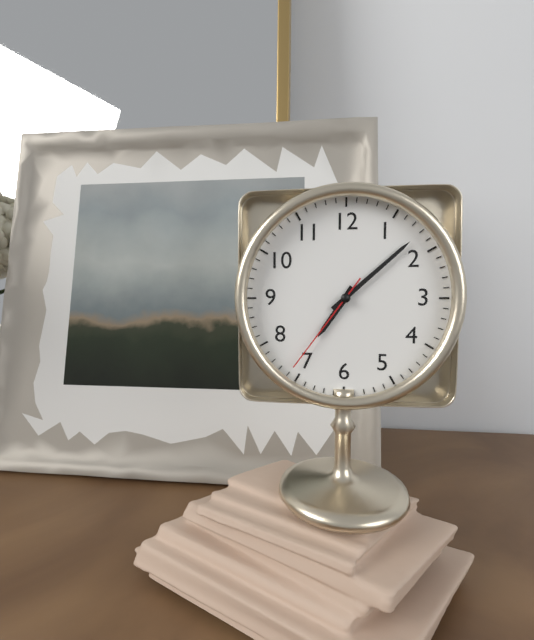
{"hour": 7, "minute": 8, "second": 36}
